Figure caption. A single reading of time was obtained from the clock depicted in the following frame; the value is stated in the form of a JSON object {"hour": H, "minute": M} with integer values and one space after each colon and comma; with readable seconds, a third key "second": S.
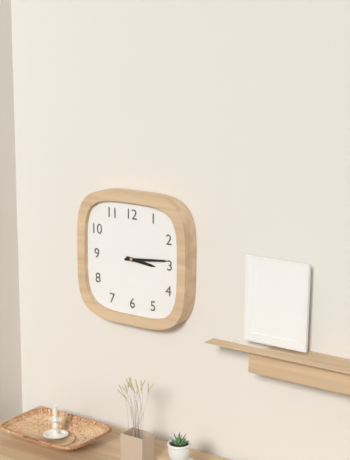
{"hour": 3, "minute": 14}
